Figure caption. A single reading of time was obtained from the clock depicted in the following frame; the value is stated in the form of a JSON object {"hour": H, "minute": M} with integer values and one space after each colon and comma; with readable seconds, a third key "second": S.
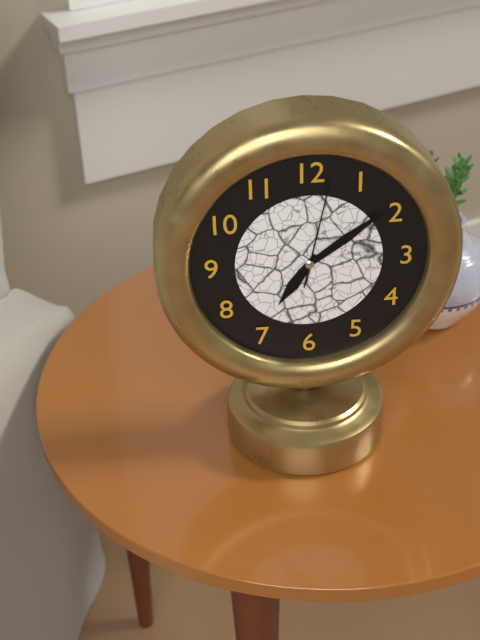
{"hour": 7, "minute": 9, "second": 2}
